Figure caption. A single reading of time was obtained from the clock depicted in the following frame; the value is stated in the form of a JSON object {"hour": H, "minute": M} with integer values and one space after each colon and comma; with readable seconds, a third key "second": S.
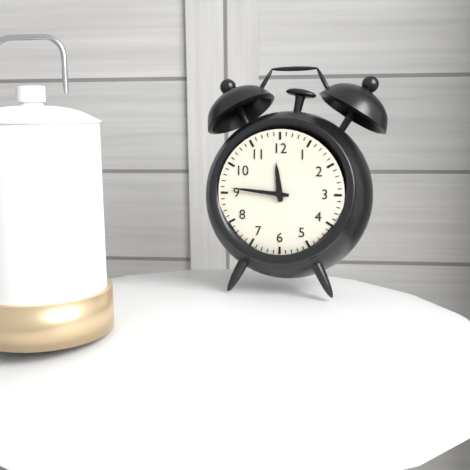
{"hour": 11, "minute": 46}
